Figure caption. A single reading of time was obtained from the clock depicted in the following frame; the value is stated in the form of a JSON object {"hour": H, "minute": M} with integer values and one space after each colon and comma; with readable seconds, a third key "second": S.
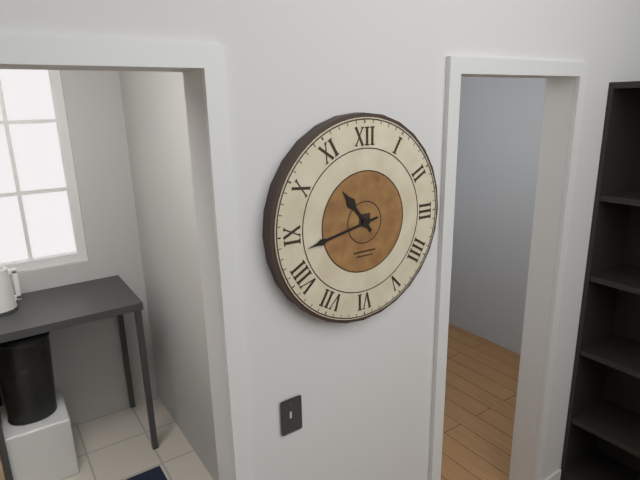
{"hour": 10, "minute": 43}
